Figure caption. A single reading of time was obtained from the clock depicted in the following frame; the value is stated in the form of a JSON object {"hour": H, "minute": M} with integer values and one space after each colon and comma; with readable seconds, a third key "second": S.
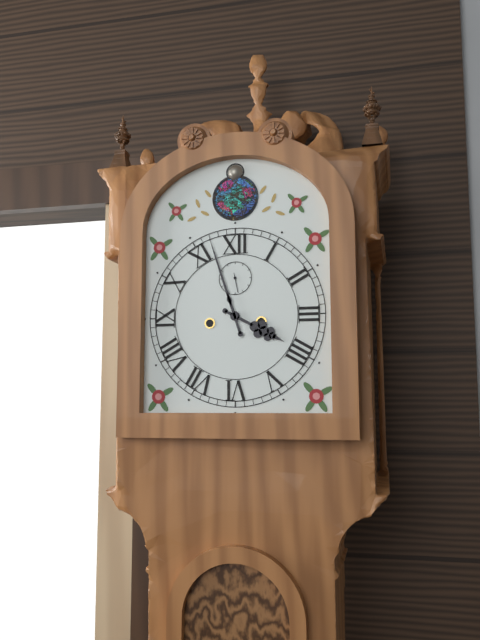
{"hour": 3, "minute": 57}
